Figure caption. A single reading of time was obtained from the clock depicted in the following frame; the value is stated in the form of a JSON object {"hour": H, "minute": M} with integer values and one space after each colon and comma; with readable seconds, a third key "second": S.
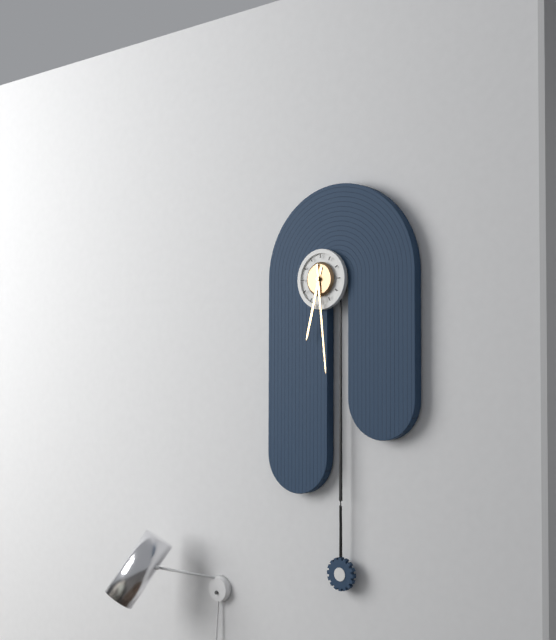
{"hour": 6, "minute": 29}
